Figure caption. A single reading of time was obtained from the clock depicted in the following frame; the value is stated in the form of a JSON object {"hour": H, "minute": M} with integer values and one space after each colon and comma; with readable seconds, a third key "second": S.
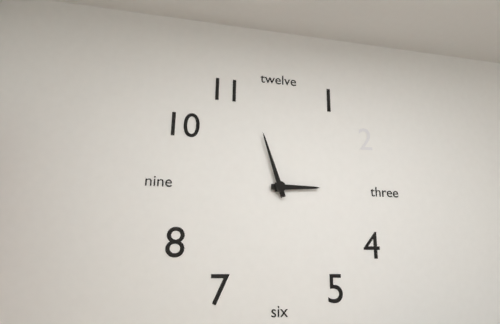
{"hour": 2, "minute": 57}
